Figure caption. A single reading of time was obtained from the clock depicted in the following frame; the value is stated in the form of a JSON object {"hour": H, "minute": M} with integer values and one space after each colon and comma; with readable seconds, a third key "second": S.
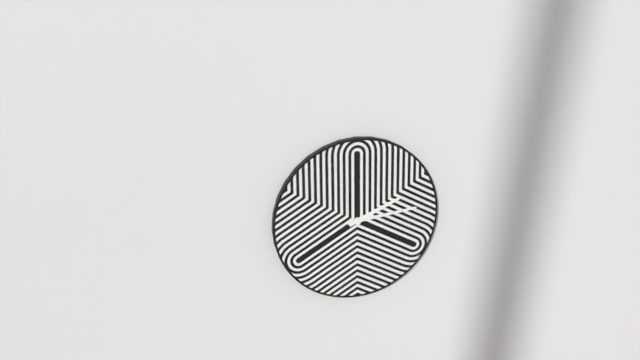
{"hour": 2, "minute": 14}
